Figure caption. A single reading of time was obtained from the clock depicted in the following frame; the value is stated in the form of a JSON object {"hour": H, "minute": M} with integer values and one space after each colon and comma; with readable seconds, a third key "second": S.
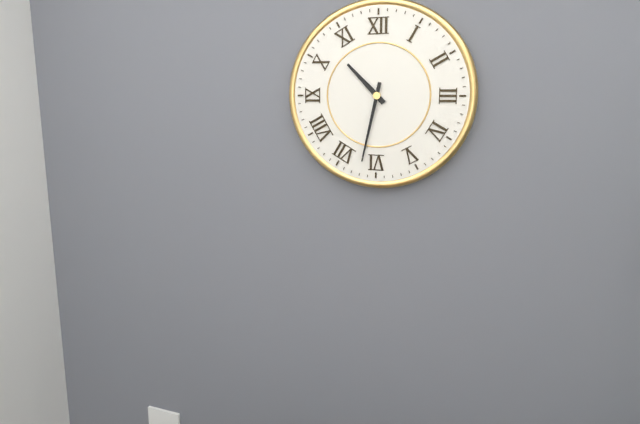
{"hour": 10, "minute": 32}
